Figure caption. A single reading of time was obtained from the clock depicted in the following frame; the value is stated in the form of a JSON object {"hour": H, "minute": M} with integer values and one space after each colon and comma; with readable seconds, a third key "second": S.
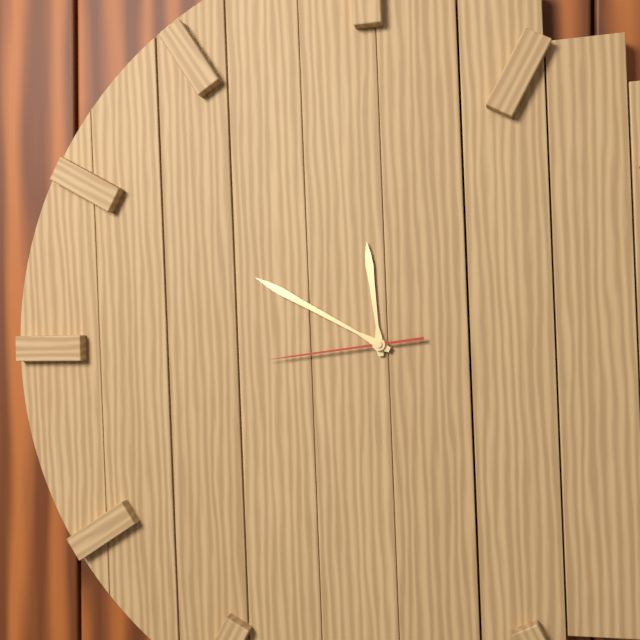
{"hour": 11, "minute": 50, "second": 44}
